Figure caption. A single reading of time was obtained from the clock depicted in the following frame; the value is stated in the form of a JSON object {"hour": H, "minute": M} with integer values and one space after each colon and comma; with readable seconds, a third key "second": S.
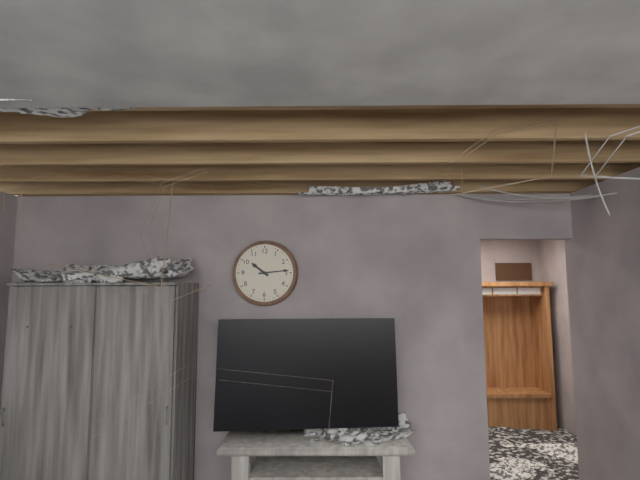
{"hour": 10, "minute": 14}
